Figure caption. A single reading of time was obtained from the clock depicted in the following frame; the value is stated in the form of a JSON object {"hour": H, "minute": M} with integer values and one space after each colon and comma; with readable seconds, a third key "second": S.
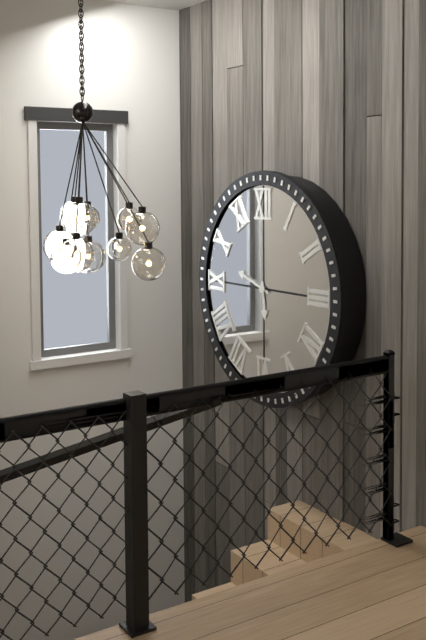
{"hour": 5, "minute": 48}
